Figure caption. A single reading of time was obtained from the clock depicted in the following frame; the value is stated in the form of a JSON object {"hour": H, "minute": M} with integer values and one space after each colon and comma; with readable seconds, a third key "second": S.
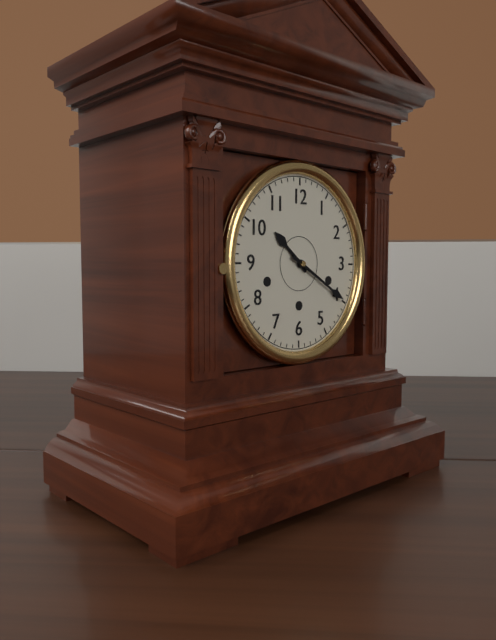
{"hour": 10, "minute": 20}
